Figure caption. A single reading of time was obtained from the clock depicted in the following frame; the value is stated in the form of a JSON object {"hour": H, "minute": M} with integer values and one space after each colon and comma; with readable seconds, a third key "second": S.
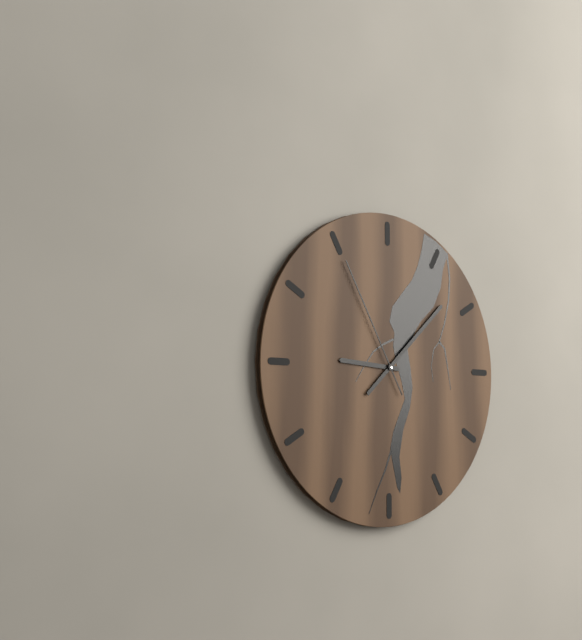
{"hour": 9, "minute": 8, "second": 55}
